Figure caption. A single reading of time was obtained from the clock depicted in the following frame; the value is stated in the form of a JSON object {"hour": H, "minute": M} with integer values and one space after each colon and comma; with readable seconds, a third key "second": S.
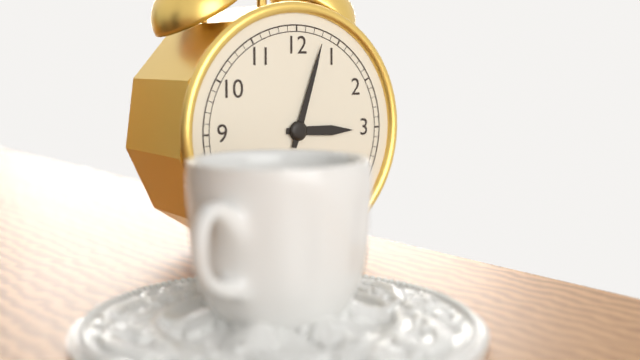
{"hour": 3, "minute": 3}
